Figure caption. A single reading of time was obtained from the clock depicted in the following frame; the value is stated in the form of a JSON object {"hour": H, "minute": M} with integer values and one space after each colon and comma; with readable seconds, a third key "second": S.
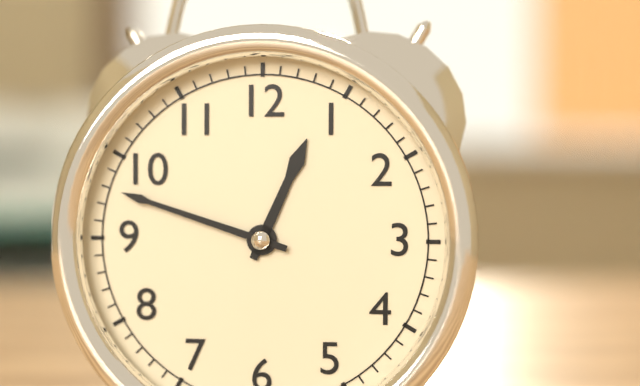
{"hour": 12, "minute": 48}
